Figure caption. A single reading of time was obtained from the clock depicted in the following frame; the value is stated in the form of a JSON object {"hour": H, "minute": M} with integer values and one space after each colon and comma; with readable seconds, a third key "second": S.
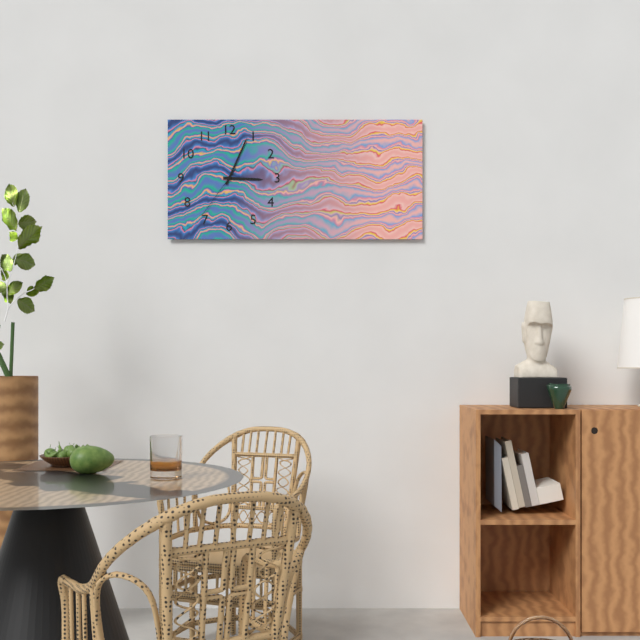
{"hour": 3, "minute": 4, "second": 36}
